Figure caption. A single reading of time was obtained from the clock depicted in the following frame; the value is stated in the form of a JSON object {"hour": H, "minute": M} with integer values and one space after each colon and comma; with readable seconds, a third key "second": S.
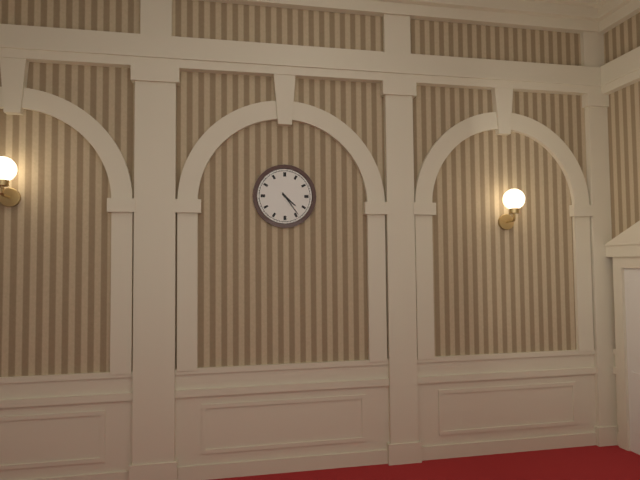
{"hour": 4, "minute": 24}
